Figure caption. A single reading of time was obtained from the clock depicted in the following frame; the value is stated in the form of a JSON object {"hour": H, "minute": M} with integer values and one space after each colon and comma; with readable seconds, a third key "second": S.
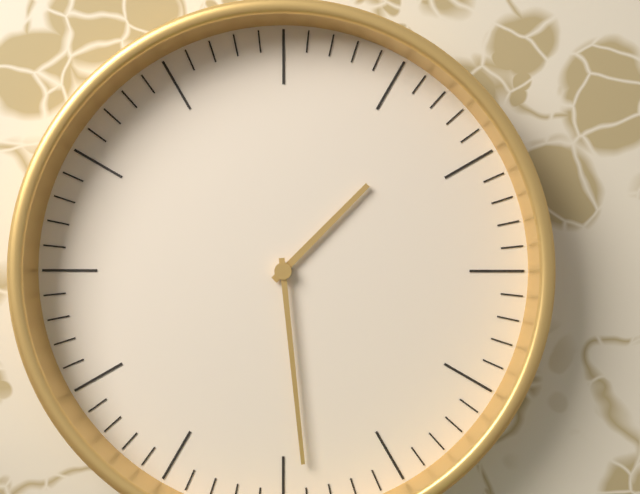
{"hour": 1, "minute": 29}
